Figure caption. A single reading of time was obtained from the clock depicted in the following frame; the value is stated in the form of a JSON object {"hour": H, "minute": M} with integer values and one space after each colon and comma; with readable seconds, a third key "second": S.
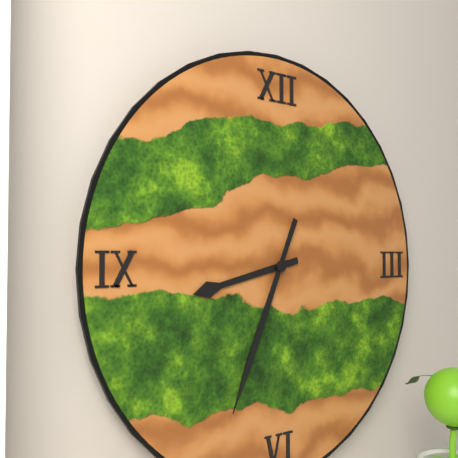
{"hour": 8, "minute": 34}
